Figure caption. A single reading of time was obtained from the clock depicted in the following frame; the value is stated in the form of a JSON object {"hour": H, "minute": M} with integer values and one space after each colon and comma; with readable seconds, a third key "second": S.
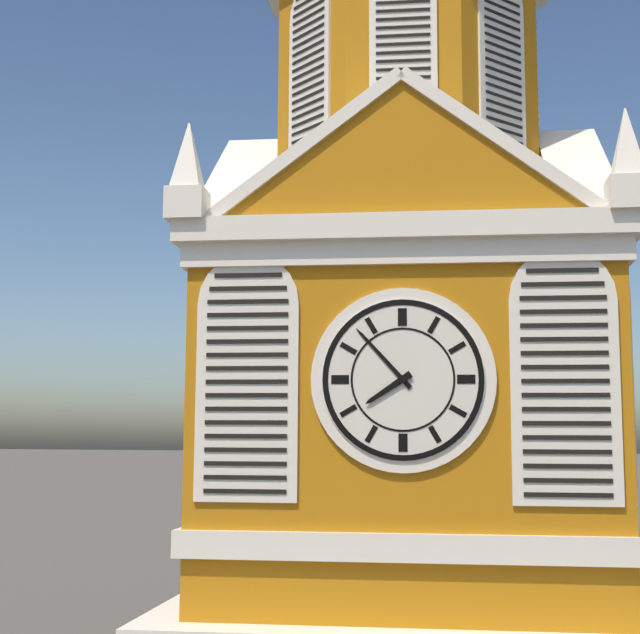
{"hour": 7, "minute": 53}
